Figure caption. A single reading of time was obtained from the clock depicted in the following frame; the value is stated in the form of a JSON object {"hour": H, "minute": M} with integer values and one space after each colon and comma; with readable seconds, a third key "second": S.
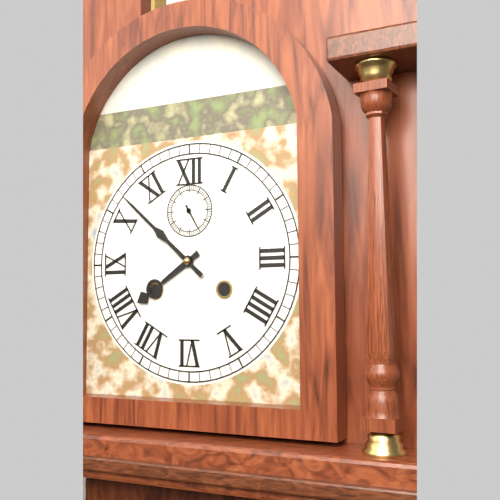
{"hour": 7, "minute": 52}
